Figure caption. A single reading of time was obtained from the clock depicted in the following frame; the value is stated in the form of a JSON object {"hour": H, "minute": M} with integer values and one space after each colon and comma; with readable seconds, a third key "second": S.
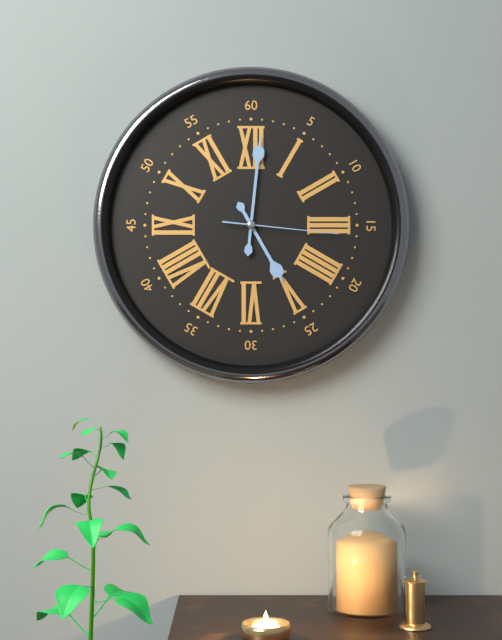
{"hour": 5, "minute": 1, "second": 16}
